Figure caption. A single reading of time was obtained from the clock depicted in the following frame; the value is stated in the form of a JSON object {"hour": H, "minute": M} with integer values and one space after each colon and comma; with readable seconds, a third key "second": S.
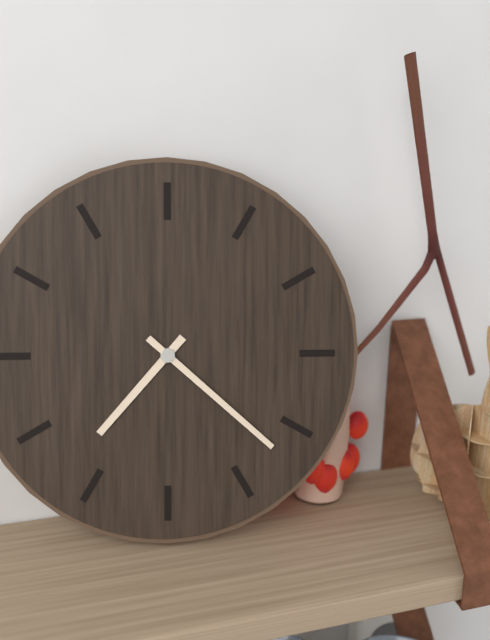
{"hour": 7, "minute": 22}
